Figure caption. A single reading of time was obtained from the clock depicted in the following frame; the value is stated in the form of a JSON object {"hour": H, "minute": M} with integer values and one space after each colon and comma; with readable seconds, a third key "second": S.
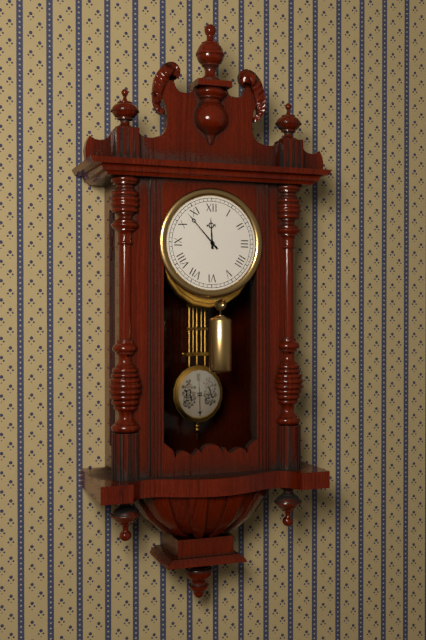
{"hour": 11, "minute": 53}
